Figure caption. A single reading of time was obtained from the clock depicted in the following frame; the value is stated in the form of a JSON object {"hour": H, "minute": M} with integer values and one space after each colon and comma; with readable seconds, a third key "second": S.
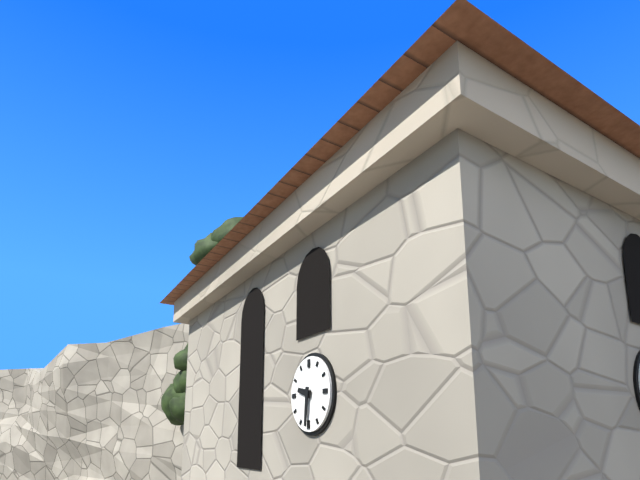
{"hour": 9, "minute": 31}
